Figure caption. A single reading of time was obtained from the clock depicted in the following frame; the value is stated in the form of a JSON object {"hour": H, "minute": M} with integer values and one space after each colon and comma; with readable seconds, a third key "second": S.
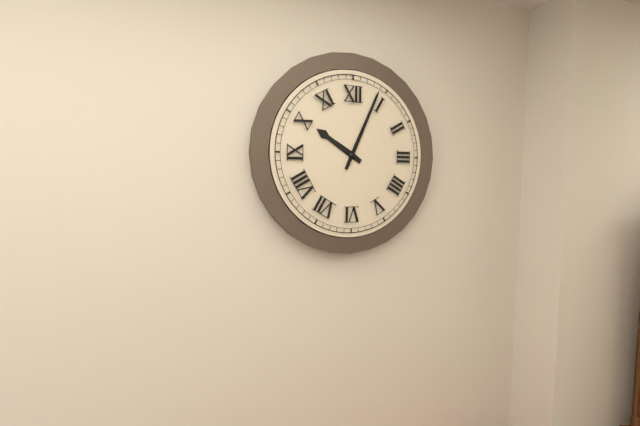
{"hour": 10, "minute": 4}
